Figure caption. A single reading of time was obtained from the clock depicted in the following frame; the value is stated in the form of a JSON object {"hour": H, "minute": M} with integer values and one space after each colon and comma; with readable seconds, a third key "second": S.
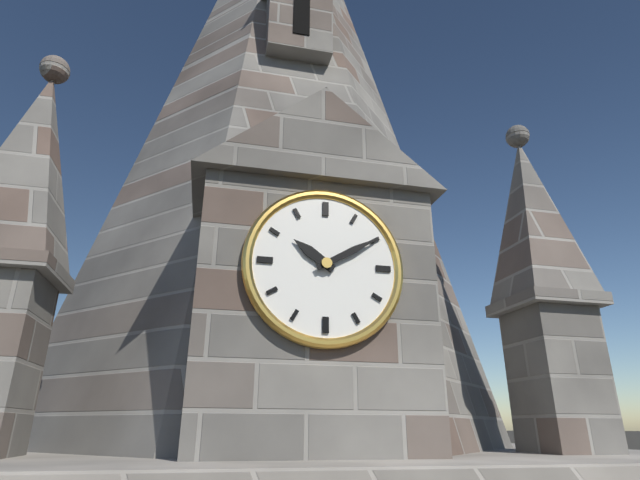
{"hour": 10, "minute": 10}
